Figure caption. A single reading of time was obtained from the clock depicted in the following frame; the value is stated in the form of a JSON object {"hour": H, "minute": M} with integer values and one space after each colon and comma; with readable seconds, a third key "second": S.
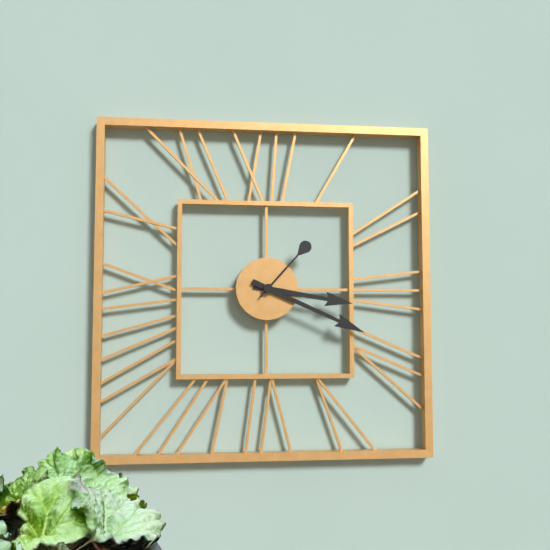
{"hour": 3, "minute": 19, "second": 7}
